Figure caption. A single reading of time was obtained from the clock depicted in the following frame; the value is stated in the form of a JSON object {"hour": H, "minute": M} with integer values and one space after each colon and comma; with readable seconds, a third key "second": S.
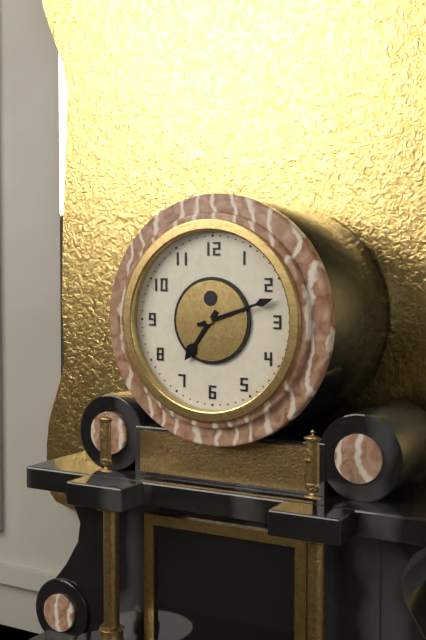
{"hour": 7, "minute": 12}
